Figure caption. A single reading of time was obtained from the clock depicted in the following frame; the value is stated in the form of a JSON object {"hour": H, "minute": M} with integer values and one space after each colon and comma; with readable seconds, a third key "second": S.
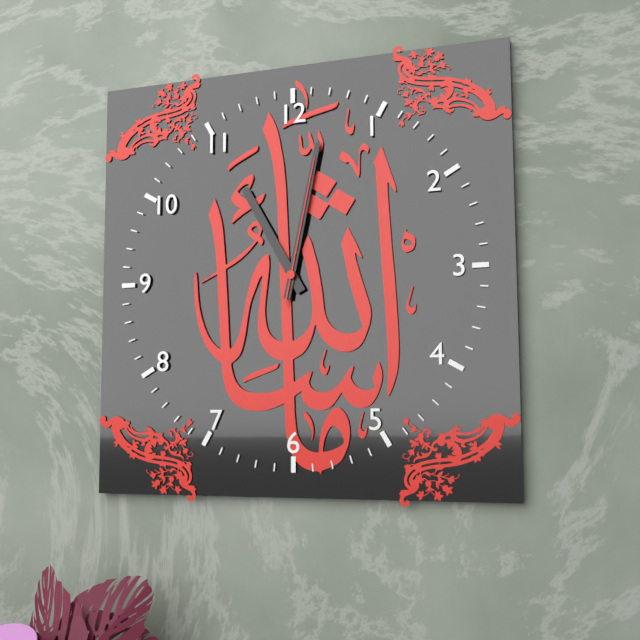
{"hour": 11, "minute": 2, "second": 2}
